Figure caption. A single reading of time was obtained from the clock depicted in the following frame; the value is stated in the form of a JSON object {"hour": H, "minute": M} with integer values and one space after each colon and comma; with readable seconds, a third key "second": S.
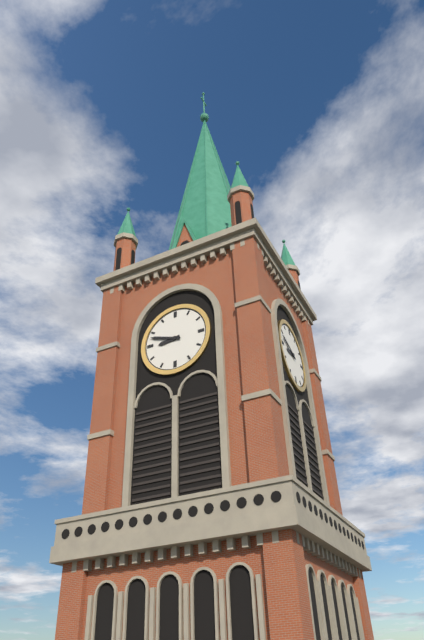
{"hour": 8, "minute": 48}
